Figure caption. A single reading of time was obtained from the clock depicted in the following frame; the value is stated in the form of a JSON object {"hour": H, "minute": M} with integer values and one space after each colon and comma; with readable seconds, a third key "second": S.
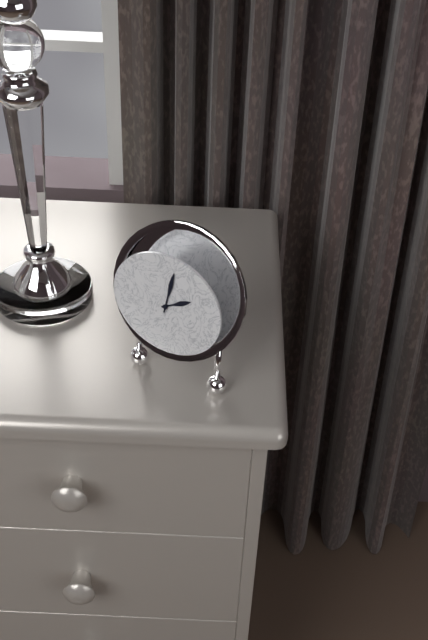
{"hour": 2, "minute": 2}
